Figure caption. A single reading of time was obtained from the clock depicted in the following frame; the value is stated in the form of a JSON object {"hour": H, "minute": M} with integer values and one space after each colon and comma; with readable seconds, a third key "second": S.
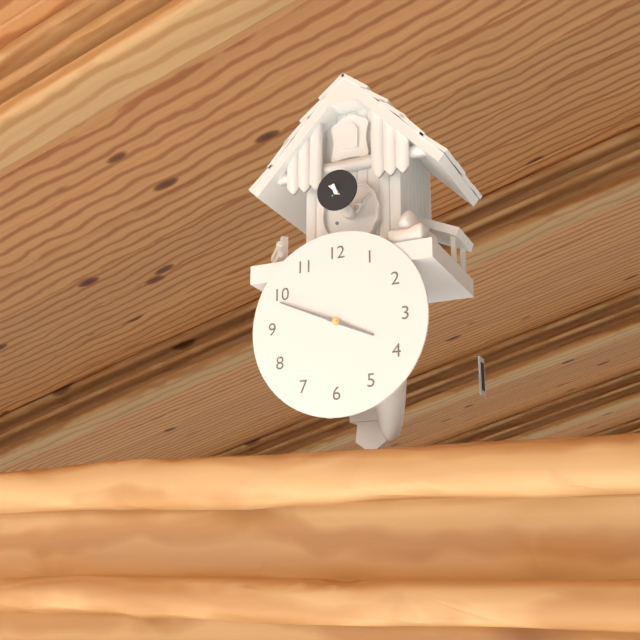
{"hour": 3, "minute": 49}
